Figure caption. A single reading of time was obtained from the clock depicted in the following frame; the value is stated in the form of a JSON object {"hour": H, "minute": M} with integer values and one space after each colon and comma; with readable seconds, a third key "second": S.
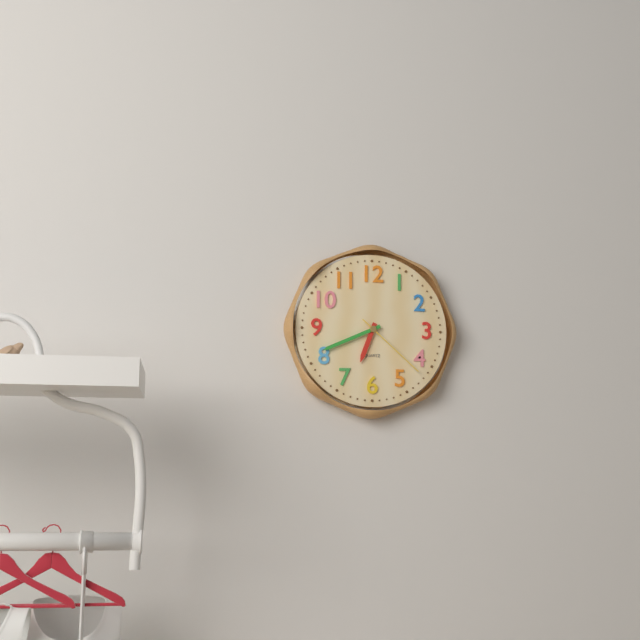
{"hour": 6, "minute": 41, "second": 22}
